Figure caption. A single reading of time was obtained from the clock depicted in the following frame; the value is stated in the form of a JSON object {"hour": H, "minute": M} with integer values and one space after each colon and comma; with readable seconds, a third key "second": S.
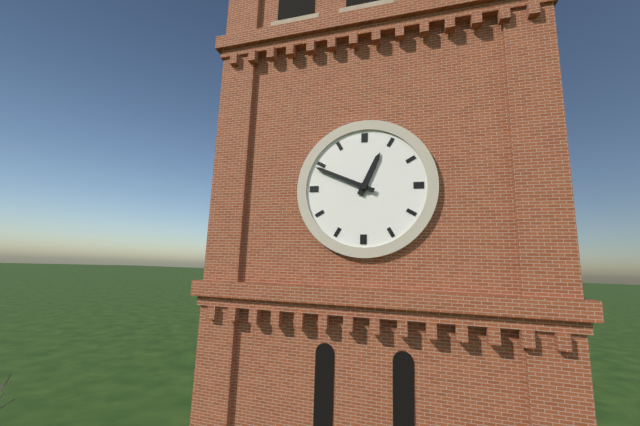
{"hour": 12, "minute": 49}
